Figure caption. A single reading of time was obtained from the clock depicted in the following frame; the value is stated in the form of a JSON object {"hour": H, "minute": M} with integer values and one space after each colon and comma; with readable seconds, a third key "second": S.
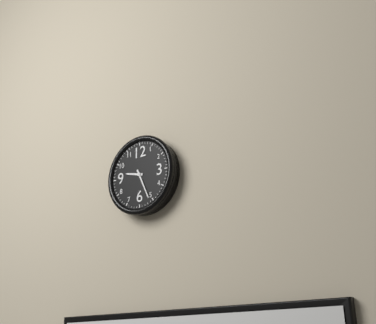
{"hour": 9, "minute": 26}
